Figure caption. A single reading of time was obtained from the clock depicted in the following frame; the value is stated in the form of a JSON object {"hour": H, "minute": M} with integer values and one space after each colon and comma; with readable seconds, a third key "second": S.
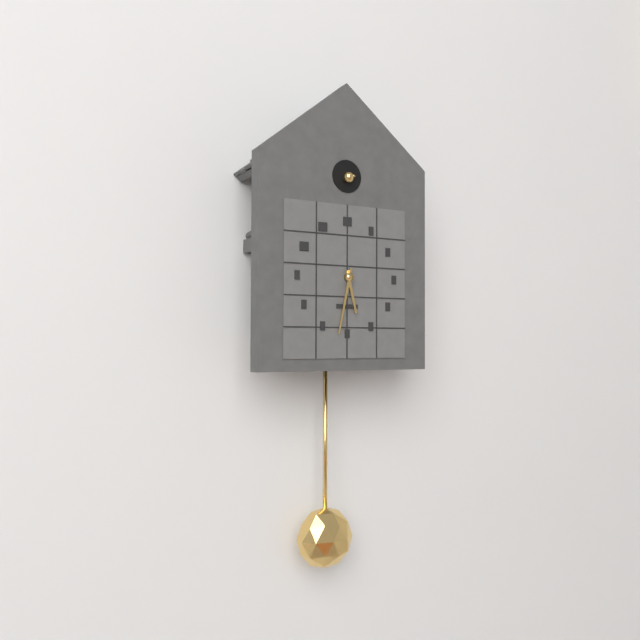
{"hour": 5, "minute": 32}
